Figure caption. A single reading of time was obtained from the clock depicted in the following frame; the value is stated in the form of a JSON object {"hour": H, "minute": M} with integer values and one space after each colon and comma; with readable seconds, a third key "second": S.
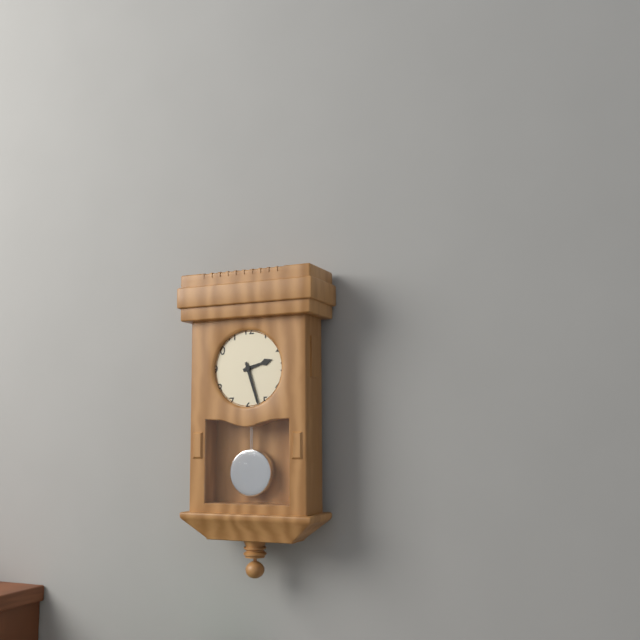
{"hour": 2, "minute": 27}
